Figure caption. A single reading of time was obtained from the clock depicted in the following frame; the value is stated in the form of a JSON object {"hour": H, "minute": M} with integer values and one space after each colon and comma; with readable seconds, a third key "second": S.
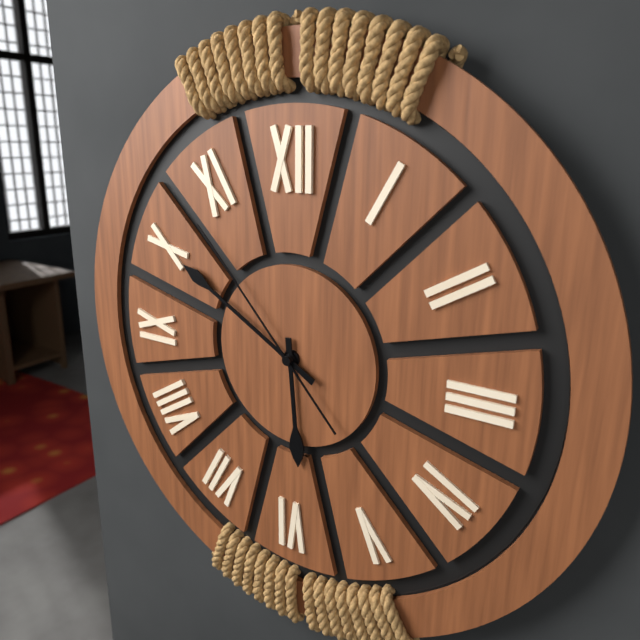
{"hour": 5, "minute": 50, "second": 53}
